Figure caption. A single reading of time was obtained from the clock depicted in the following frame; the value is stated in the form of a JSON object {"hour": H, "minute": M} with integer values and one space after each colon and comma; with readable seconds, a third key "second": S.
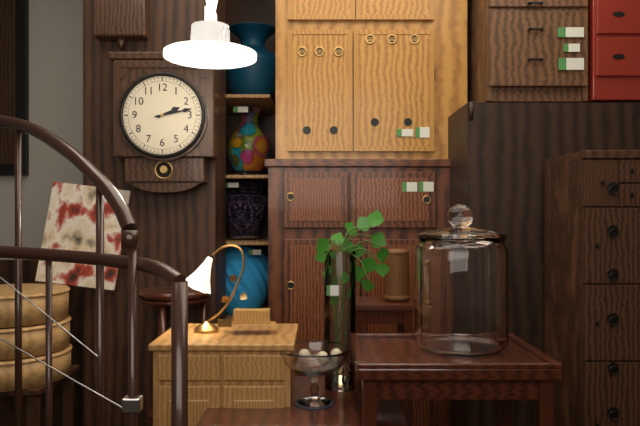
{"hour": 2, "minute": 13}
